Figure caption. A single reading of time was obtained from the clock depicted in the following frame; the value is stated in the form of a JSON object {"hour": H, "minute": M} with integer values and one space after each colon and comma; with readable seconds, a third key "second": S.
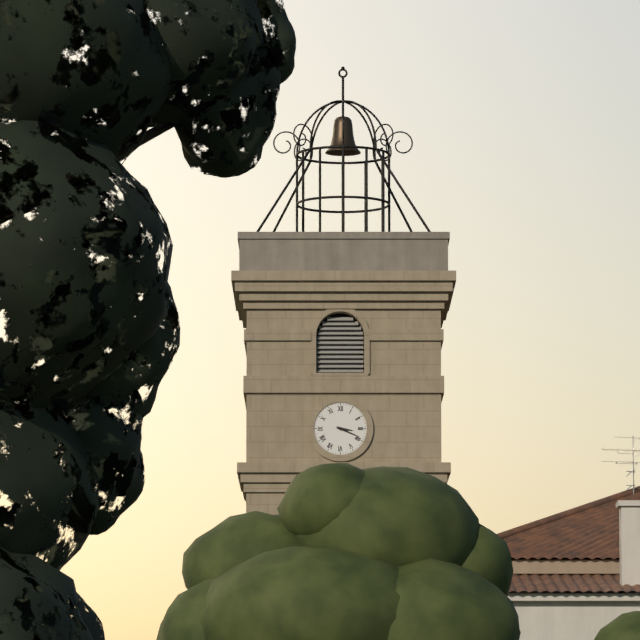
{"hour": 3, "minute": 19}
